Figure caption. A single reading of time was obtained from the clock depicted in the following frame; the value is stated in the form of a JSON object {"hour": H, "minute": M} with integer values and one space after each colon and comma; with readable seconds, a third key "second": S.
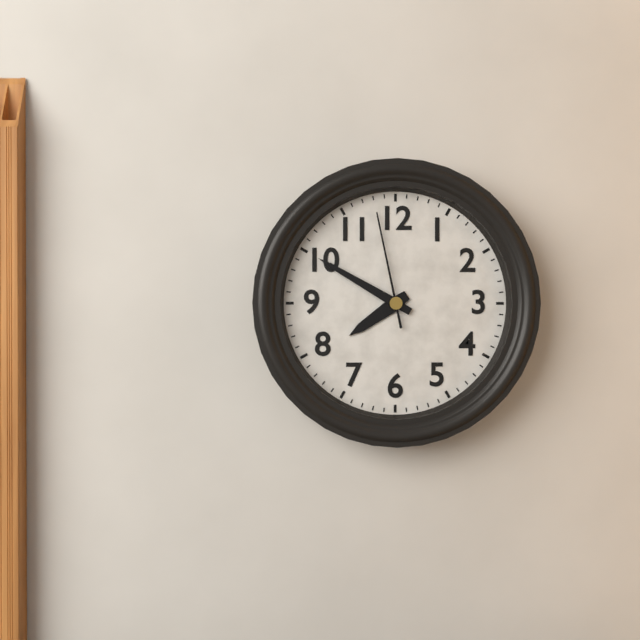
{"hour": 7, "minute": 50, "second": 58}
